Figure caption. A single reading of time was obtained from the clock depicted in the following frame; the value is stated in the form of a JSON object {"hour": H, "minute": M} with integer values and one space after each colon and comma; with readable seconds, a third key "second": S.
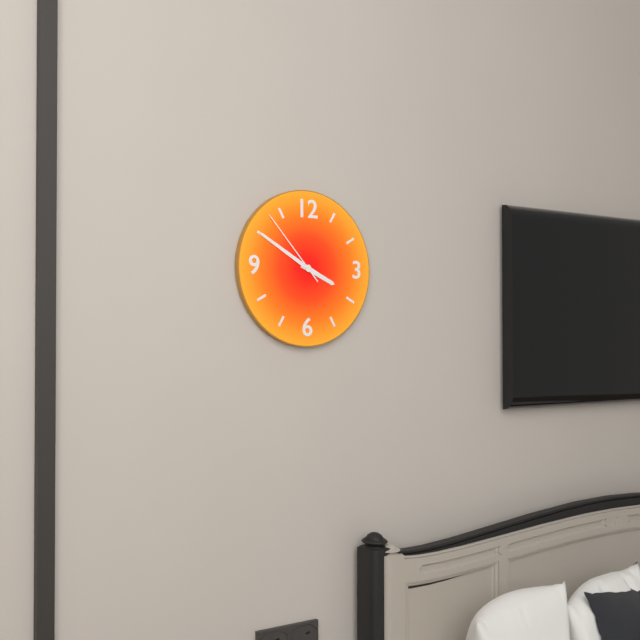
{"hour": 3, "minute": 50, "second": 53}
